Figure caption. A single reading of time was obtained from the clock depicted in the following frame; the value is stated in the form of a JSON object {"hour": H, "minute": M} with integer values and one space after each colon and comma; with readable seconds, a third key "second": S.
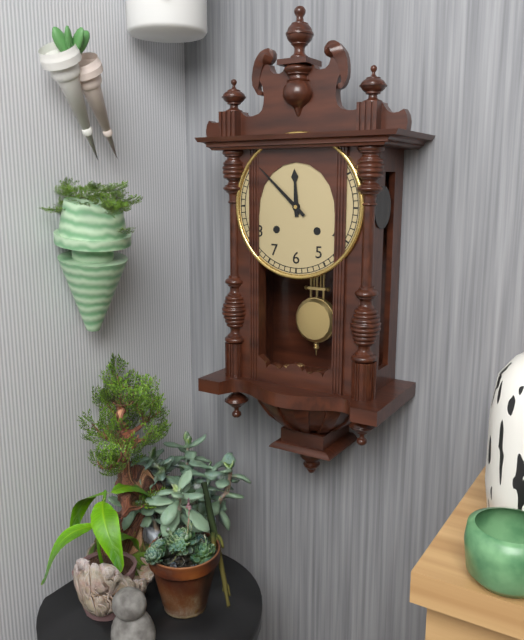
{"hour": 11, "minute": 52}
